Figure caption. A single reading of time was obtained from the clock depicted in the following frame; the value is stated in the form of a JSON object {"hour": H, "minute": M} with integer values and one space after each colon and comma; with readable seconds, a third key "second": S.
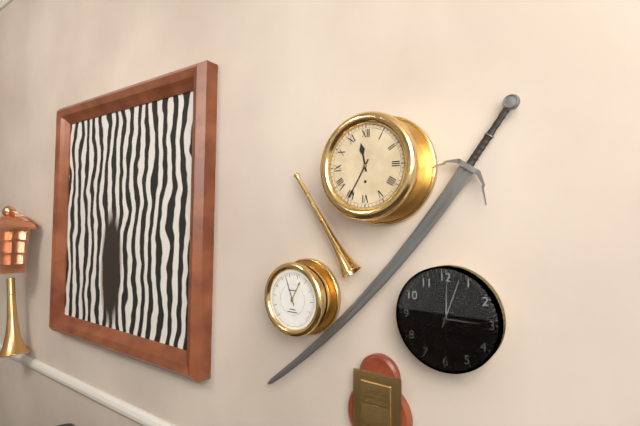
{"hour": 11, "minute": 35}
